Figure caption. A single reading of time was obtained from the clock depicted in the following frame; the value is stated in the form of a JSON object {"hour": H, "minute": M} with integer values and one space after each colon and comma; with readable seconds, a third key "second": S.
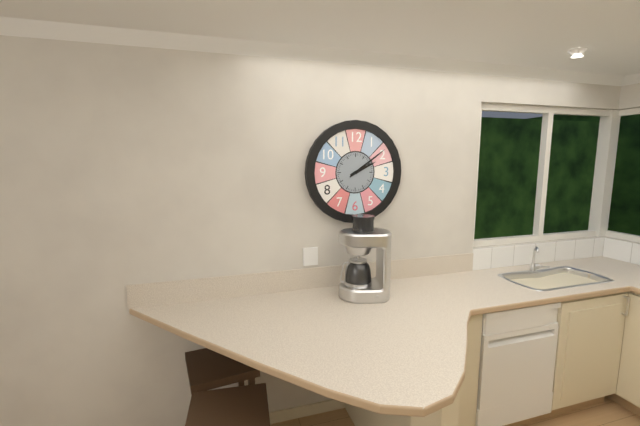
{"hour": 2, "minute": 9}
